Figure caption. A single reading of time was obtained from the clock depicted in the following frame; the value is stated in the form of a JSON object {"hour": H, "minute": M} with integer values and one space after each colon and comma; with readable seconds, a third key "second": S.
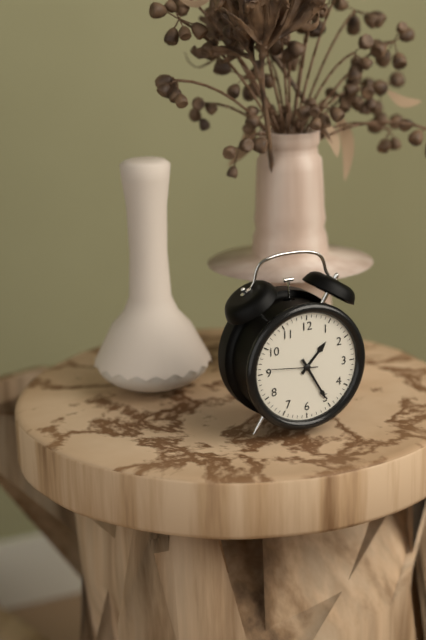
{"hour": 1, "minute": 25}
